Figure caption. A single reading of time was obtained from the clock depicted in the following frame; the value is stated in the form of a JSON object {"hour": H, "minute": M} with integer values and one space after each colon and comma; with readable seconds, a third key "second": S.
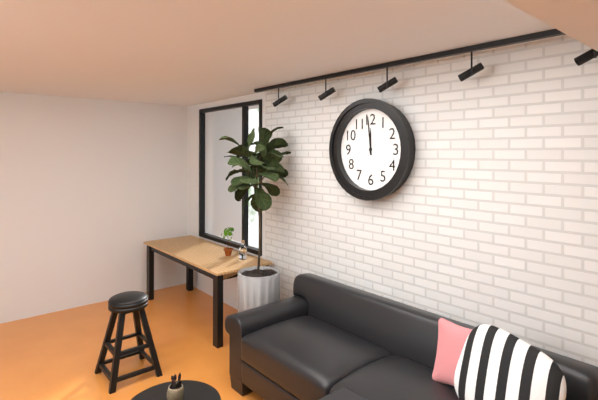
{"hour": 11, "minute": 59}
